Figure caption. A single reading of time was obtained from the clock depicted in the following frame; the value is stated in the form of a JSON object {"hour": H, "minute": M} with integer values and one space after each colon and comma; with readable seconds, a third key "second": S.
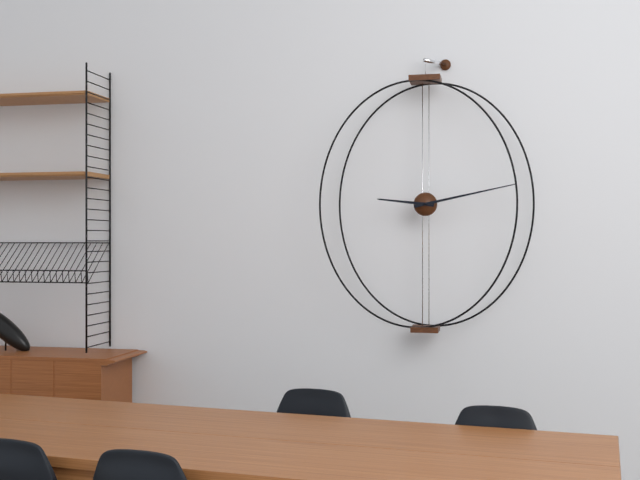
{"hour": 9, "minute": 13}
